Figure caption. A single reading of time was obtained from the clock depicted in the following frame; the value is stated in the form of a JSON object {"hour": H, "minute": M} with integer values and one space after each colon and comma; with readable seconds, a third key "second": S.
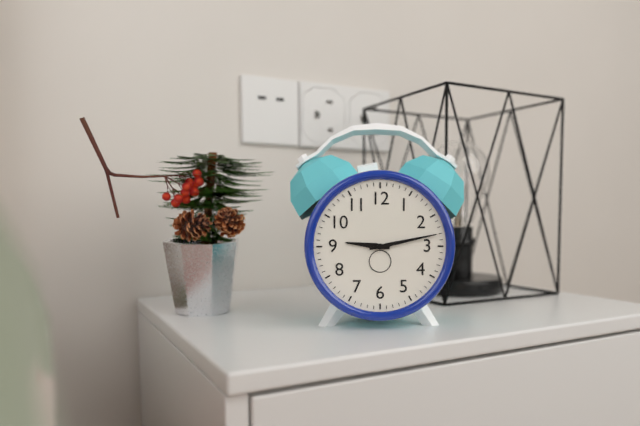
{"hour": 9, "minute": 13}
